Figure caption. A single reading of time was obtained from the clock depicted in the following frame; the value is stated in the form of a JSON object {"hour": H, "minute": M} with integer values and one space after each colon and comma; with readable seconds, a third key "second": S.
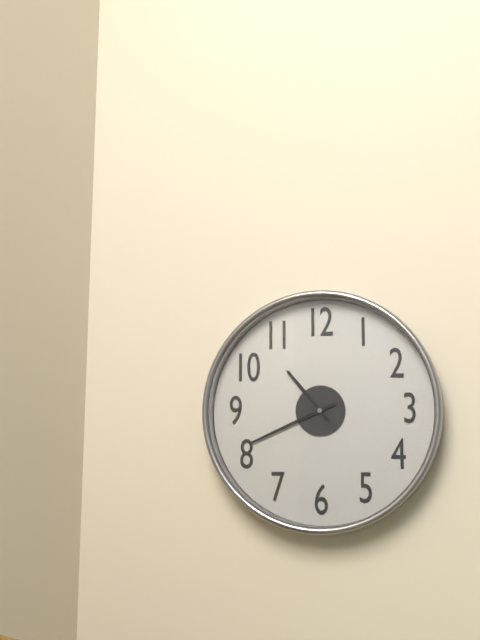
{"hour": 10, "minute": 41}
